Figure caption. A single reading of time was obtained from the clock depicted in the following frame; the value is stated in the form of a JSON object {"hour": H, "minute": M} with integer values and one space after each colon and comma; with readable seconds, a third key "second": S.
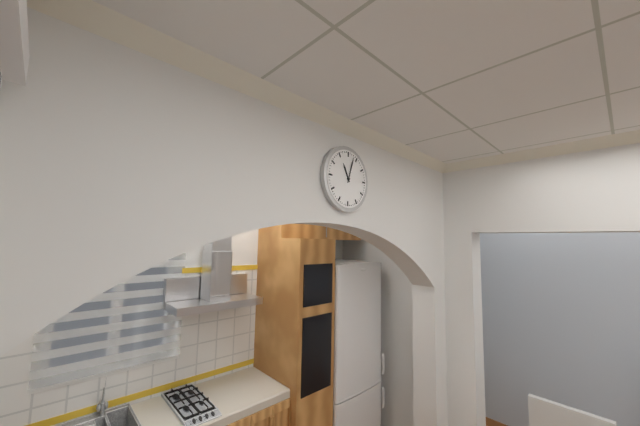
{"hour": 11, "minute": 3}
